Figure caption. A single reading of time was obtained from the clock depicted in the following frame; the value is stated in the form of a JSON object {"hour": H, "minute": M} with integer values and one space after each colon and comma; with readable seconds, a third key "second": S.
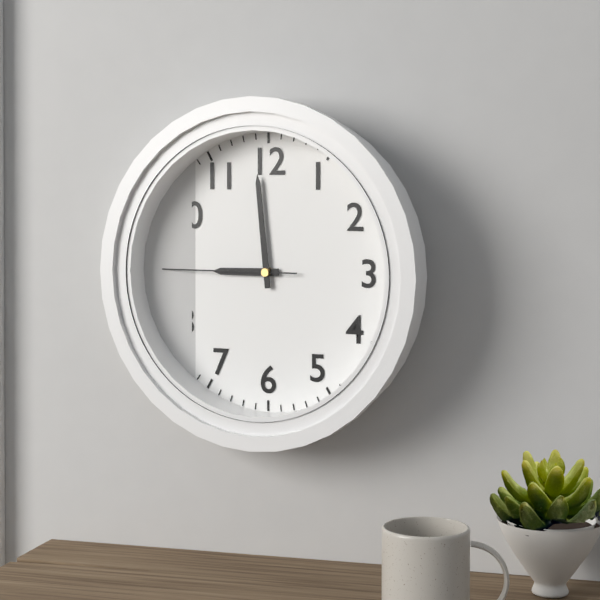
{"hour": 8, "minute": 59, "second": 45}
